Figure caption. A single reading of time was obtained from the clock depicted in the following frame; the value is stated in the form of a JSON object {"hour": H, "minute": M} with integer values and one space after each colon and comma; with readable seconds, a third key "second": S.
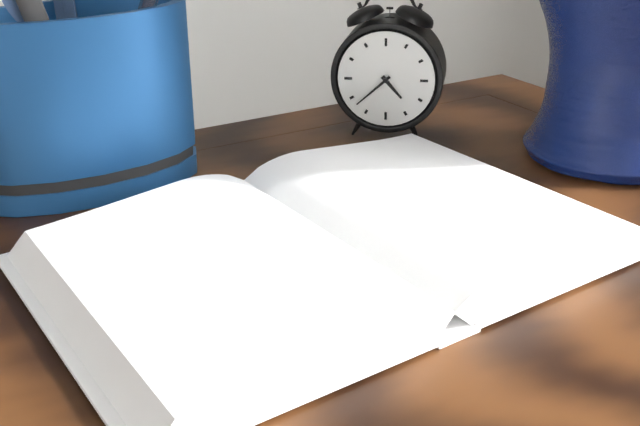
{"hour": 4, "minute": 38}
